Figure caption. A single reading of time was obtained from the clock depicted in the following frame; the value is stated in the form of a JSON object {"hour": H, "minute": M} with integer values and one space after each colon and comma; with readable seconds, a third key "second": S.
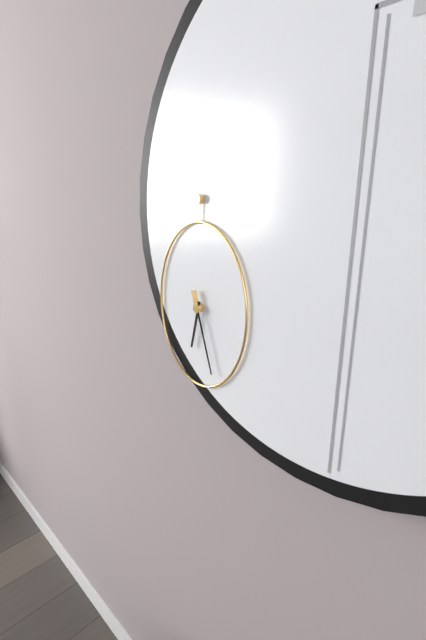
{"hour": 6, "minute": 27}
